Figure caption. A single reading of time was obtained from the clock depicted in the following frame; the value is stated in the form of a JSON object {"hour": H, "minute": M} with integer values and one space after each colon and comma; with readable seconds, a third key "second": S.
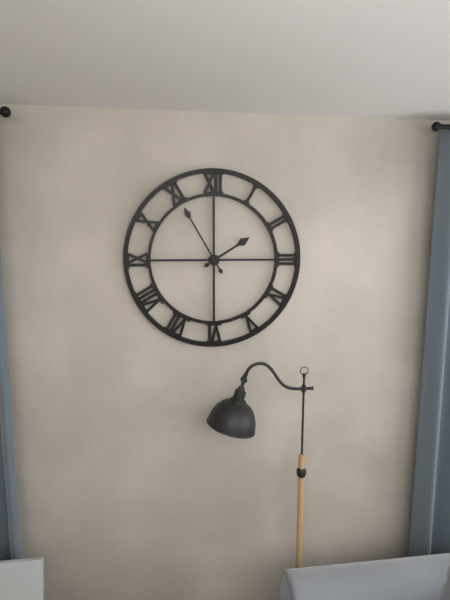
{"hour": 1, "minute": 55}
